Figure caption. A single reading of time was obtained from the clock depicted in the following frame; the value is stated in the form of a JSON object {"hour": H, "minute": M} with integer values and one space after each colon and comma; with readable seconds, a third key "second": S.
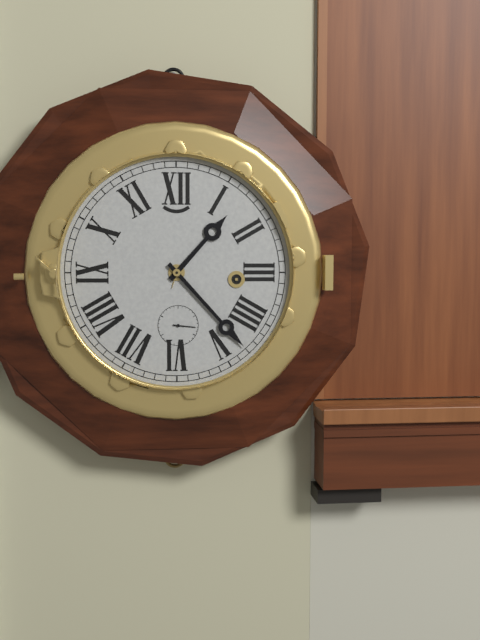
{"hour": 1, "minute": 23}
